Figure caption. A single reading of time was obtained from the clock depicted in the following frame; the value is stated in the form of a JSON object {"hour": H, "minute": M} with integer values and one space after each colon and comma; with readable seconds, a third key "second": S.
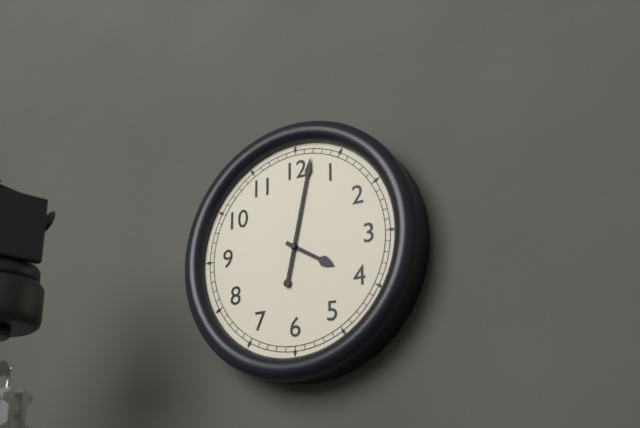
{"hour": 4, "minute": 2}
